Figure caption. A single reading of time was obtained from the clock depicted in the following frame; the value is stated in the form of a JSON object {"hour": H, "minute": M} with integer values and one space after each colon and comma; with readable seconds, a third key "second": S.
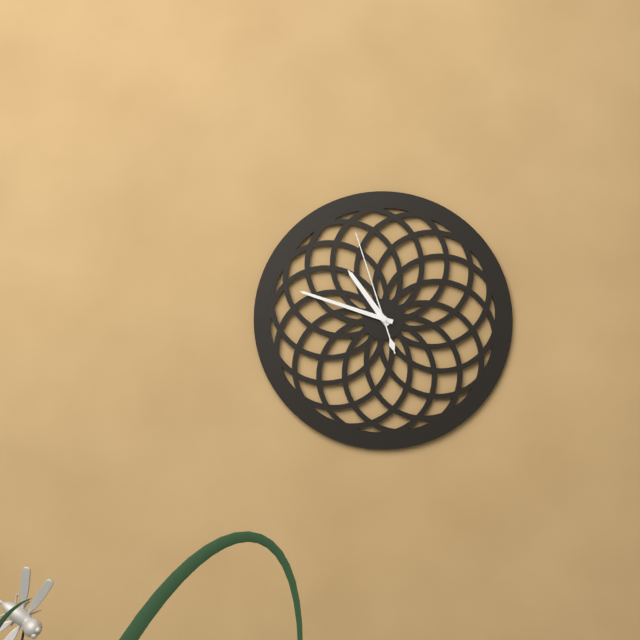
{"hour": 10, "minute": 48, "second": 57}
